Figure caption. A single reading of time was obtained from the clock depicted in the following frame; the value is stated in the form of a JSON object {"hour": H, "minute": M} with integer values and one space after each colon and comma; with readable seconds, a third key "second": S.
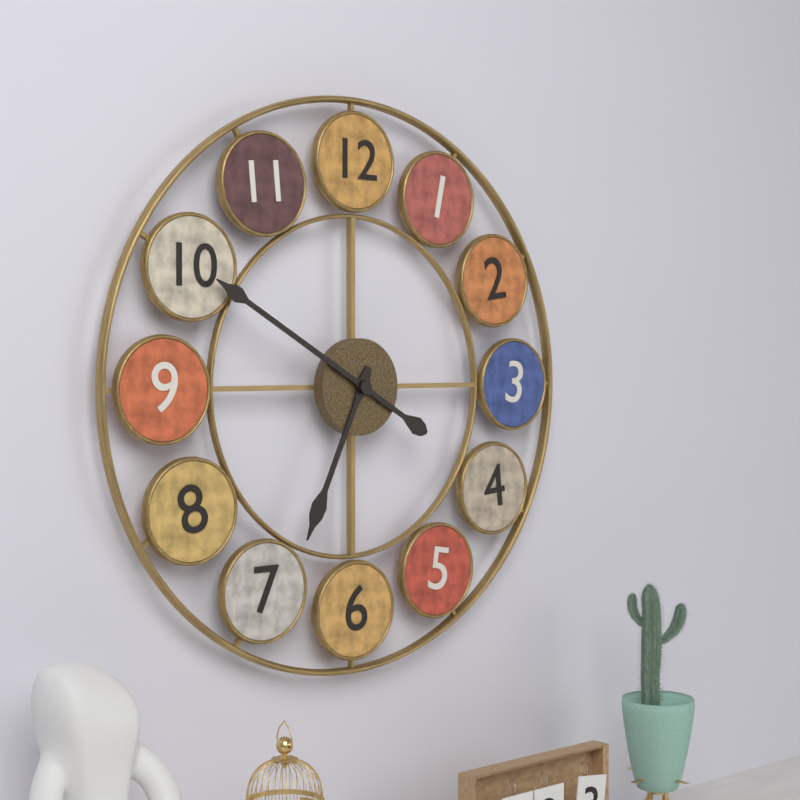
{"hour": 6, "minute": 50}
